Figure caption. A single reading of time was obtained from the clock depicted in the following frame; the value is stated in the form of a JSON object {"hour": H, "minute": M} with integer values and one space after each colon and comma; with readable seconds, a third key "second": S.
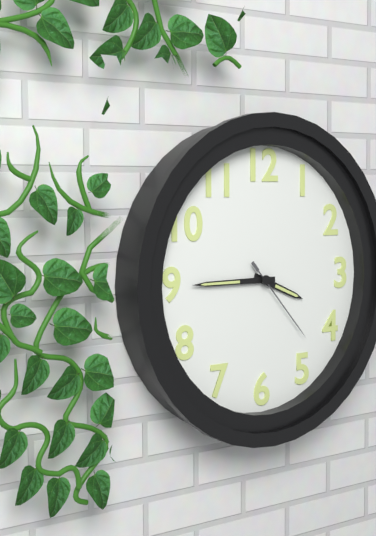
{"hour": 3, "minute": 45, "second": 23}
